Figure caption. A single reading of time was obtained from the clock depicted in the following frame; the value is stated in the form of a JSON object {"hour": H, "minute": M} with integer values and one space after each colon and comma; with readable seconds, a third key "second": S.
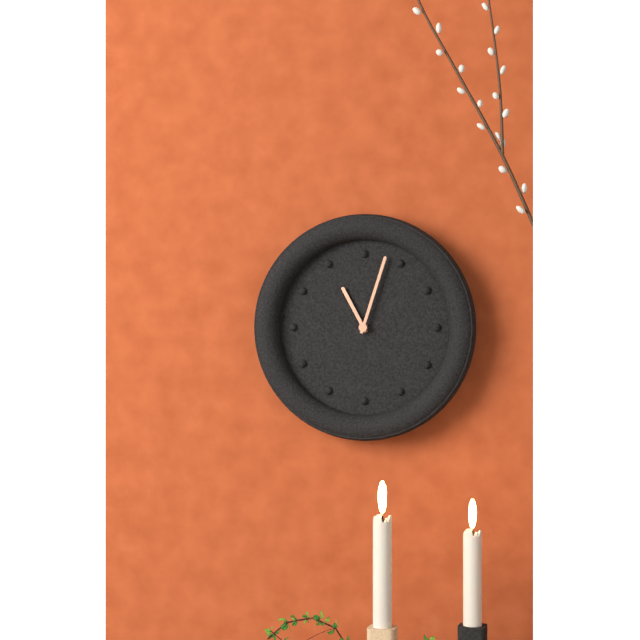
{"hour": 11, "minute": 3}
